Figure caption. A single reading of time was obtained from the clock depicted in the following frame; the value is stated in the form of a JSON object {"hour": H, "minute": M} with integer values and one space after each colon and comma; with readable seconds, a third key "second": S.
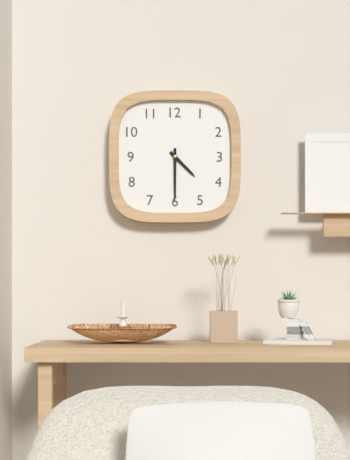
{"hour": 4, "minute": 30}
